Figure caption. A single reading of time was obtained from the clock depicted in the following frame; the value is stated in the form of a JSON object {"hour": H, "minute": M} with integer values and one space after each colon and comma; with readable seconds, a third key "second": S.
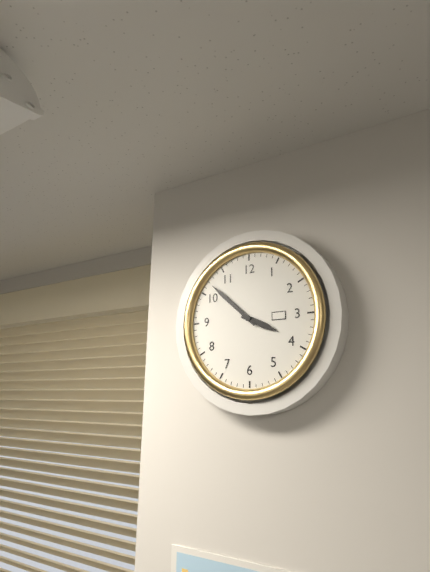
{"hour": 3, "minute": 52}
